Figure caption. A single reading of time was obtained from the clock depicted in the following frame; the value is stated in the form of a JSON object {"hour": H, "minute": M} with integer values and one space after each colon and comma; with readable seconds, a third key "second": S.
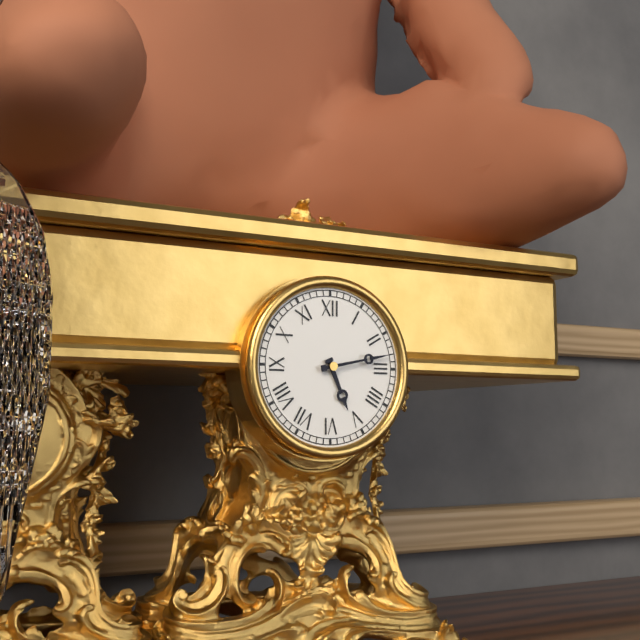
{"hour": 5, "minute": 13}
